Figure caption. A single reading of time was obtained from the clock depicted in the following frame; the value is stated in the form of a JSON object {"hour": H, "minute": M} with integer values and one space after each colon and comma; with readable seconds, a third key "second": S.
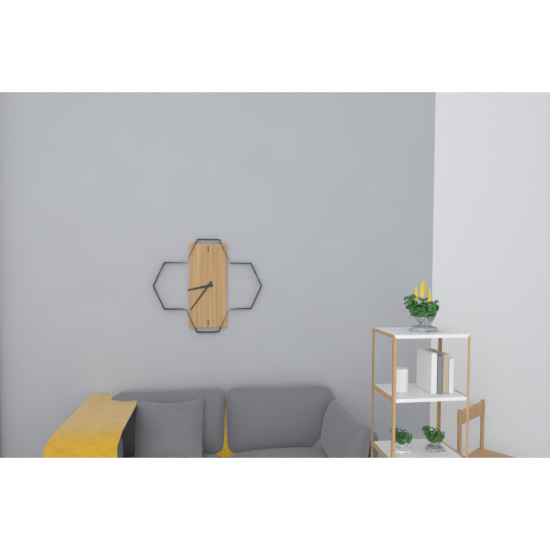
{"hour": 8, "minute": 36}
